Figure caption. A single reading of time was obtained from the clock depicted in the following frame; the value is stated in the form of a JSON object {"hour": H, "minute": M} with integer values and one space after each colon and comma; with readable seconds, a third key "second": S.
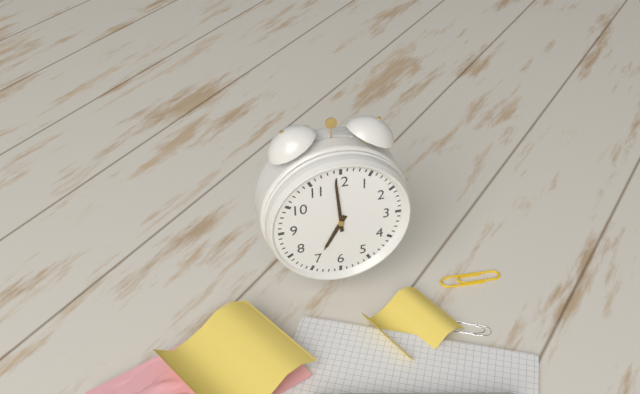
{"hour": 6, "minute": 59}
